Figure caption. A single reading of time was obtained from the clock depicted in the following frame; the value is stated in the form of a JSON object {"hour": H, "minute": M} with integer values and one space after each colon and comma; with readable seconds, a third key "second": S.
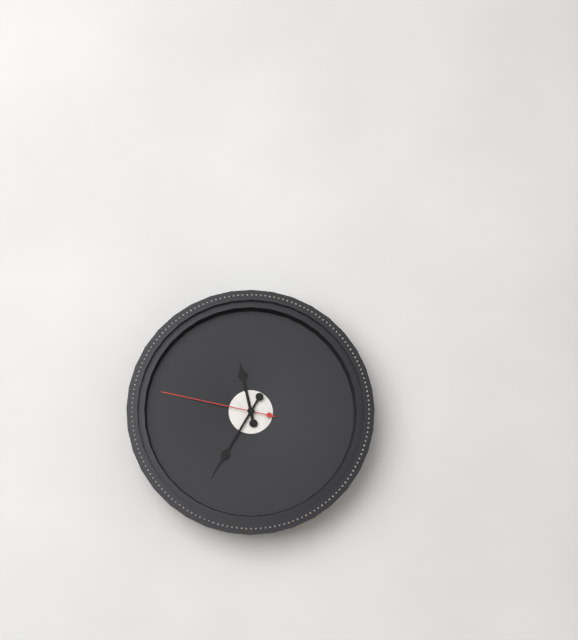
{"hour": 11, "minute": 35, "second": 47}
